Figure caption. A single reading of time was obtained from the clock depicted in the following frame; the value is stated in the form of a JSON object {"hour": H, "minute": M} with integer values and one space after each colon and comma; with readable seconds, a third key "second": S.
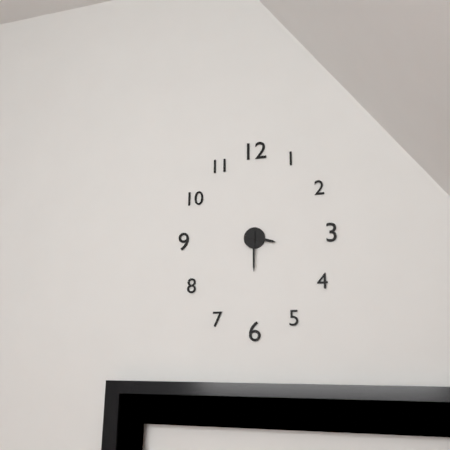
{"hour": 3, "minute": 30}
